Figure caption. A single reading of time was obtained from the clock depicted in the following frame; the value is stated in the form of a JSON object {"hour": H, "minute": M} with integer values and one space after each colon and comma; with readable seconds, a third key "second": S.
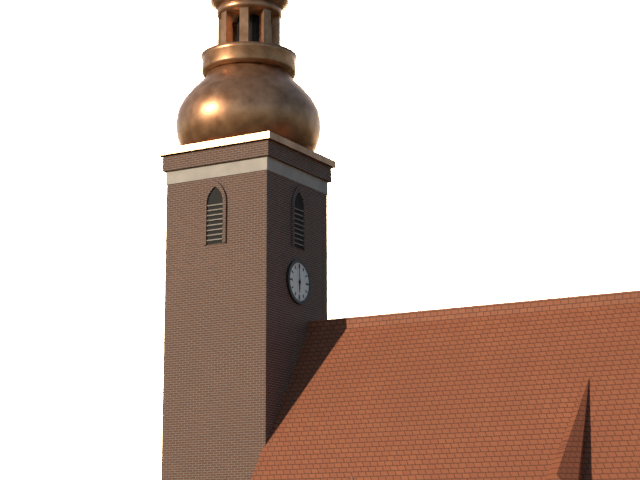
{"hour": 5, "minute": 59}
